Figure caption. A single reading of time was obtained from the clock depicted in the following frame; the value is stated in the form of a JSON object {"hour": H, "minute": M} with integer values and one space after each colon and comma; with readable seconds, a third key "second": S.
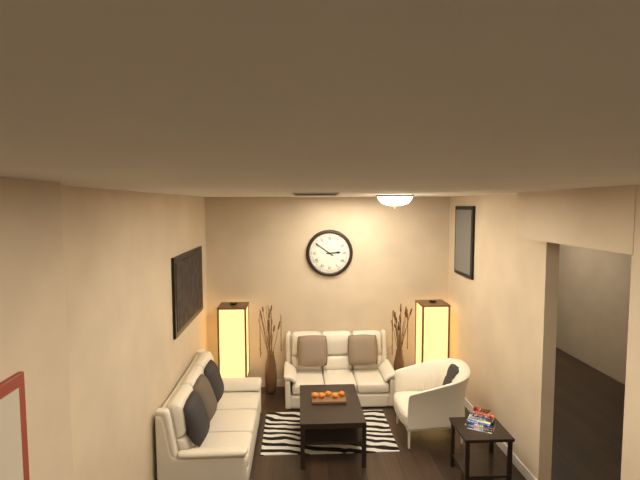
{"hour": 2, "minute": 51}
